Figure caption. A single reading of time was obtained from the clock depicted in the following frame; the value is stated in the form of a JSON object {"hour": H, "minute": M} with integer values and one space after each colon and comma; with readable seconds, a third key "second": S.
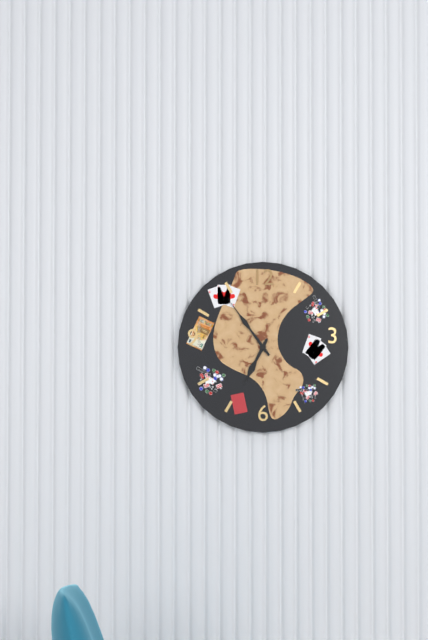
{"hour": 6, "minute": 54}
